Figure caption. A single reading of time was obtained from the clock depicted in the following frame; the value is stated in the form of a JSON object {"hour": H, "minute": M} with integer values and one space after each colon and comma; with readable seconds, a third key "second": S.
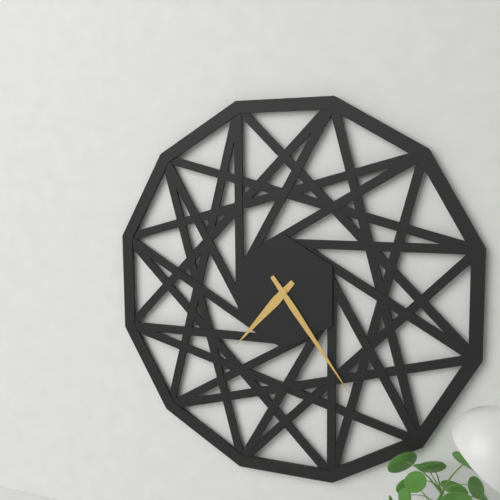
{"hour": 7, "minute": 24}
